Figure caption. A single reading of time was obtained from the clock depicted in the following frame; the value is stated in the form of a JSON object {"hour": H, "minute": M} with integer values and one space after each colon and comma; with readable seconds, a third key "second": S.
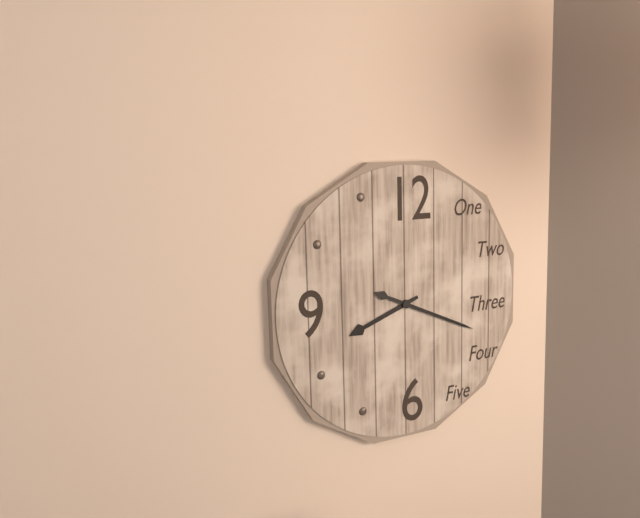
{"hour": 8, "minute": 19}
